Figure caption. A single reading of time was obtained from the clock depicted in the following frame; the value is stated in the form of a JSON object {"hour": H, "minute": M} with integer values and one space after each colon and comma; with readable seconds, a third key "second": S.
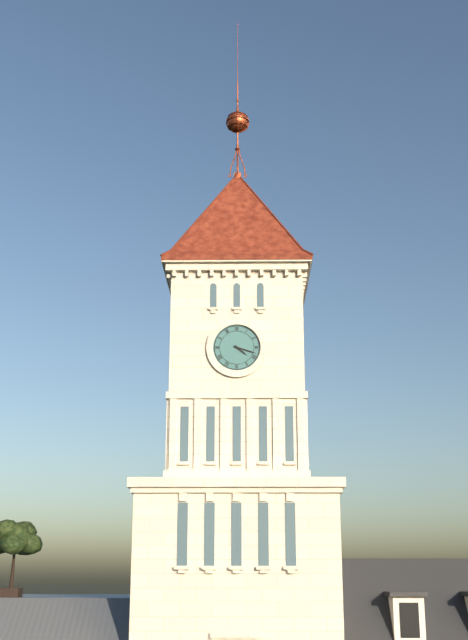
{"hour": 4, "minute": 18}
